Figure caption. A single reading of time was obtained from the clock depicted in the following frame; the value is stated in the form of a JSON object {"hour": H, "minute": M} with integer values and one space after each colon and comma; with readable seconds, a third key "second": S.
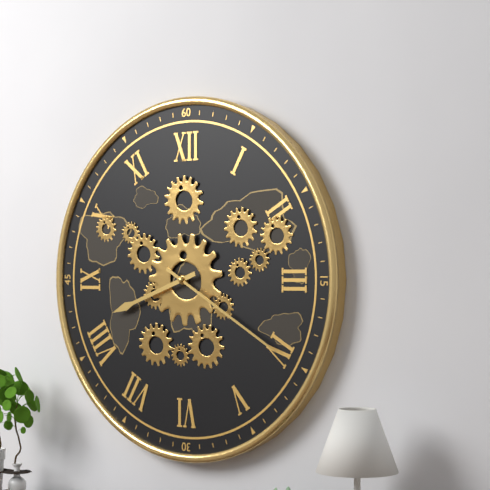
{"hour": 8, "minute": 20}
